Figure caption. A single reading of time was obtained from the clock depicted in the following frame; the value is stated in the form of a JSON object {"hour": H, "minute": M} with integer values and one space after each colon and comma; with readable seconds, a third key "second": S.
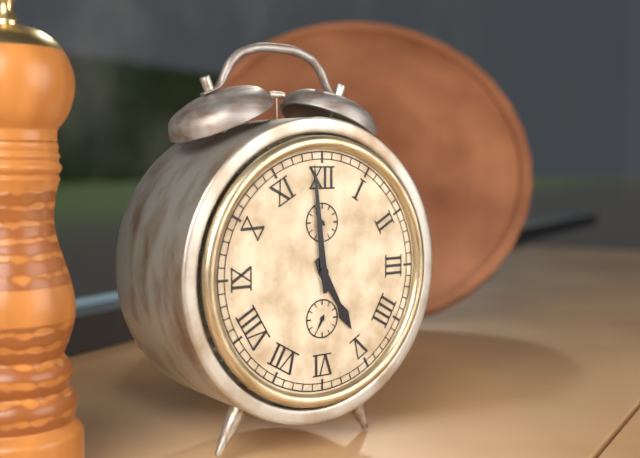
{"hour": 4, "minute": 59}
